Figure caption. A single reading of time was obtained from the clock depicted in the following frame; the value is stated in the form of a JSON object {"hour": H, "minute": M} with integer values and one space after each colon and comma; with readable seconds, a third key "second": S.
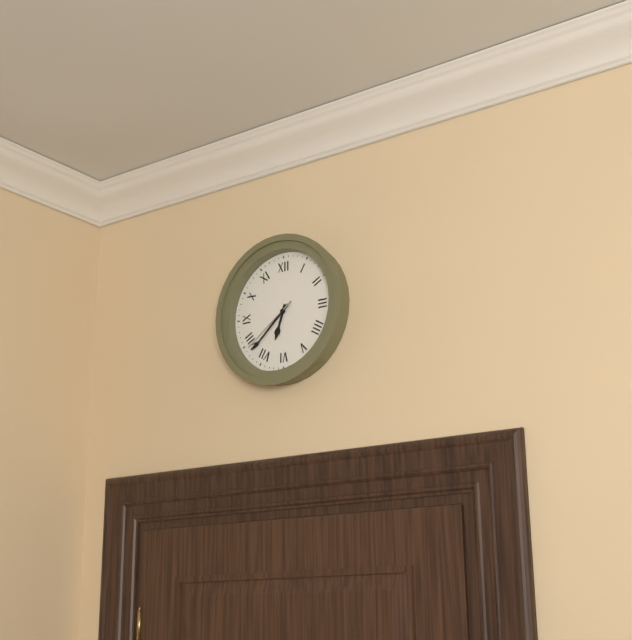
{"hour": 6, "minute": 38, "second": 39}
